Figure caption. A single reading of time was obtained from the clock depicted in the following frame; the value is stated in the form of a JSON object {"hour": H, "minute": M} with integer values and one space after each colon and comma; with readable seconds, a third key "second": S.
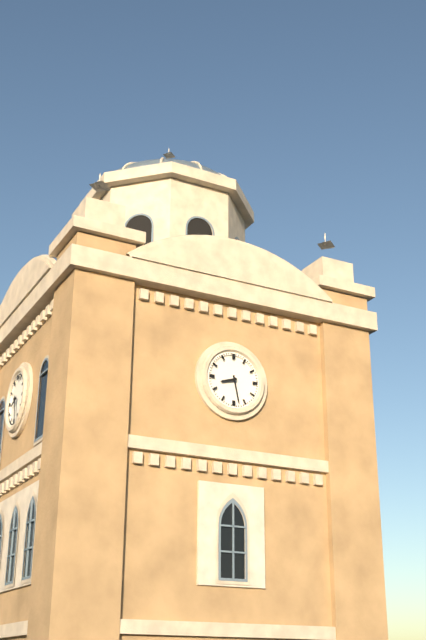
{"hour": 8, "minute": 28}
